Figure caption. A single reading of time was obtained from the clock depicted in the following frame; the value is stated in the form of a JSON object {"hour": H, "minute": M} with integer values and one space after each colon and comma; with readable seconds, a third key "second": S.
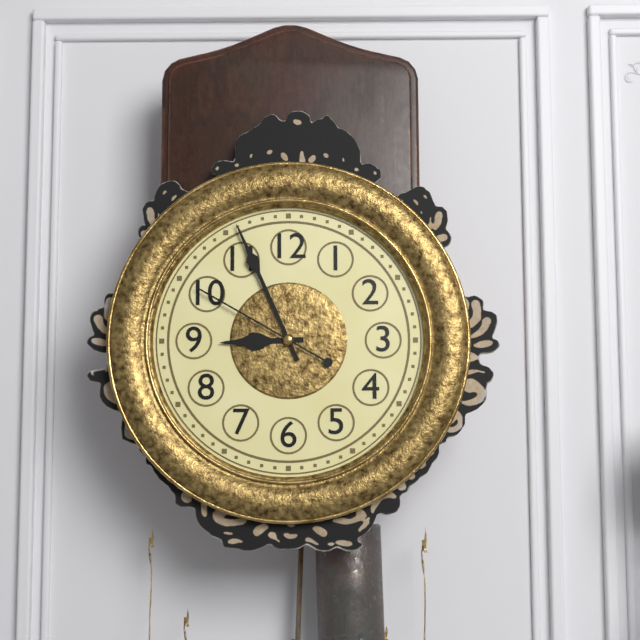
{"hour": 8, "minute": 56, "second": 50}
